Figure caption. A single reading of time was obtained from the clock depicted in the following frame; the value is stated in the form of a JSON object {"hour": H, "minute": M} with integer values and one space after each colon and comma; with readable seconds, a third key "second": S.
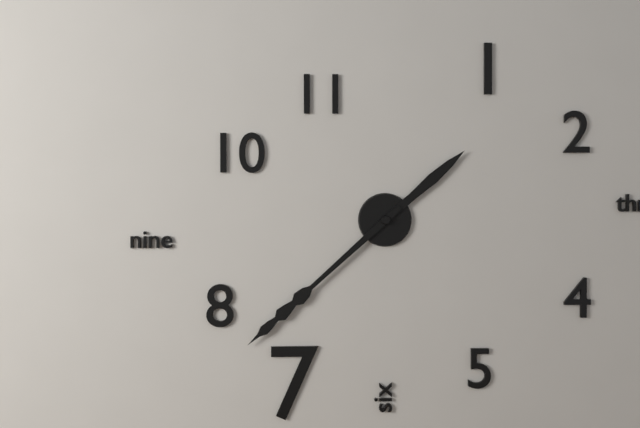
{"hour": 1, "minute": 38}
